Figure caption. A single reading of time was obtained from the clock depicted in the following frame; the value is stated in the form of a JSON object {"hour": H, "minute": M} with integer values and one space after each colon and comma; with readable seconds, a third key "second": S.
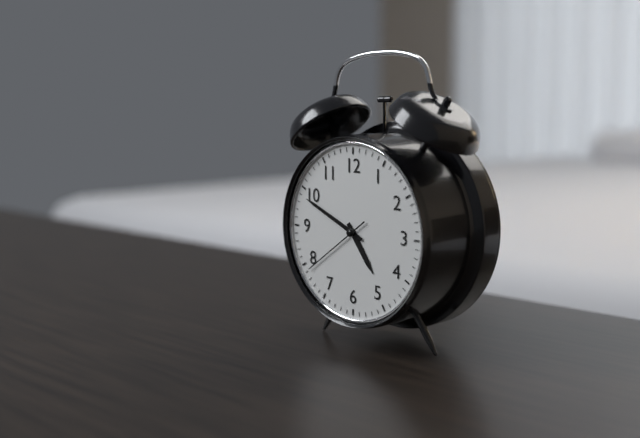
{"hour": 4, "minute": 49, "second": 39}
